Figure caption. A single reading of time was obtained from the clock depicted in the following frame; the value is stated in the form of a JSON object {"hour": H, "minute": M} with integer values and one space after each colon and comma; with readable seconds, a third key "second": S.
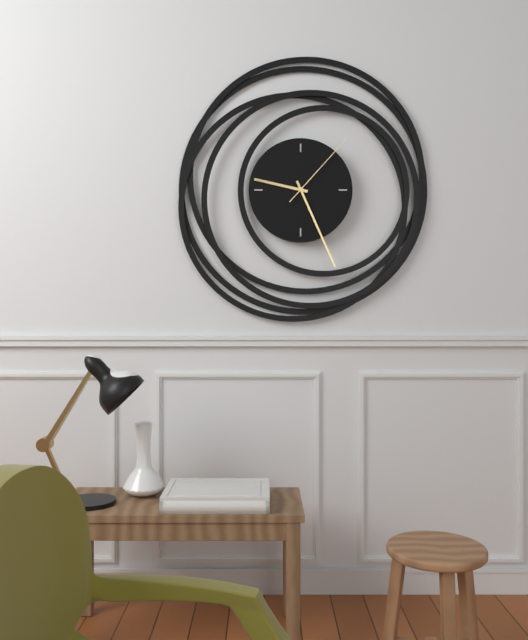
{"hour": 9, "minute": 26, "second": 7}
